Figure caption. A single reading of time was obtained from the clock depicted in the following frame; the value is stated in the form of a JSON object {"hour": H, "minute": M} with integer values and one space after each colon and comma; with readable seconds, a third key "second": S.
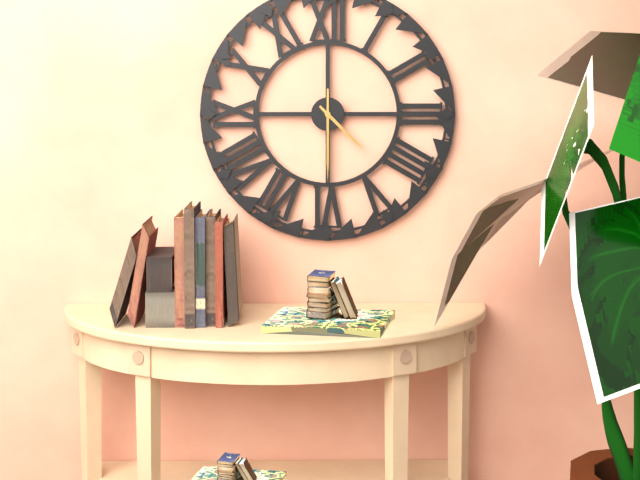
{"hour": 4, "minute": 30}
